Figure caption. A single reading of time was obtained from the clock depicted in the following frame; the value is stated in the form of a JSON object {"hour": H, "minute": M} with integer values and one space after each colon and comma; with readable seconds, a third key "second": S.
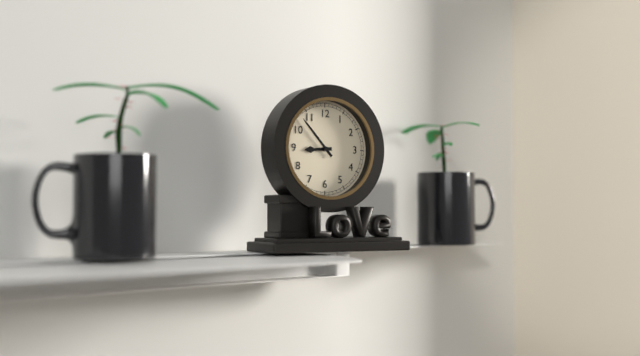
{"hour": 8, "minute": 53}
